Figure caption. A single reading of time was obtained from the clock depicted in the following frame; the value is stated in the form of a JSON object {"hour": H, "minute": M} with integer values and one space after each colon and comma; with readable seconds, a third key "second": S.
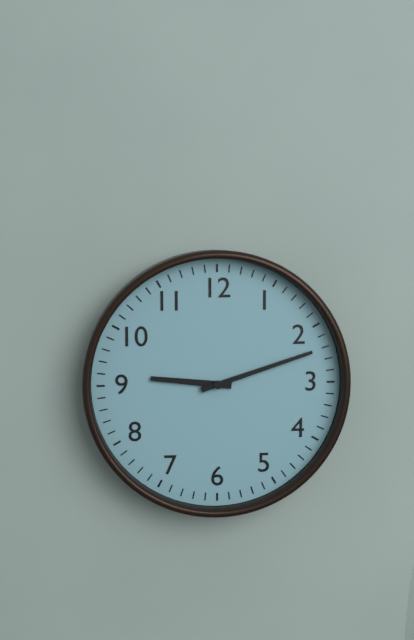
{"hour": 9, "minute": 12}
